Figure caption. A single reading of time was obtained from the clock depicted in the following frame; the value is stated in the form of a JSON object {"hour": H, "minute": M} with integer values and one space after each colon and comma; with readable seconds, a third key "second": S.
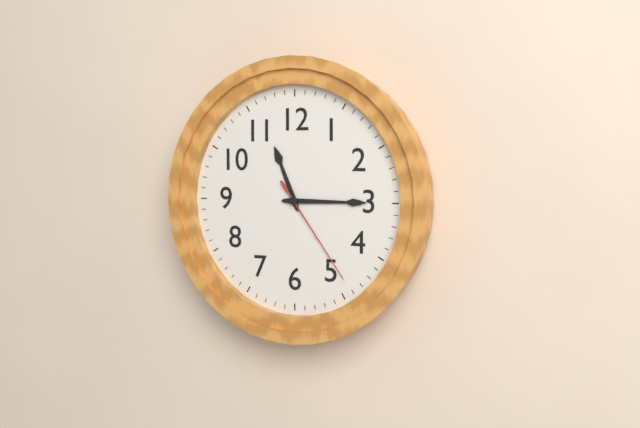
{"hour": 11, "minute": 15, "second": 24}
